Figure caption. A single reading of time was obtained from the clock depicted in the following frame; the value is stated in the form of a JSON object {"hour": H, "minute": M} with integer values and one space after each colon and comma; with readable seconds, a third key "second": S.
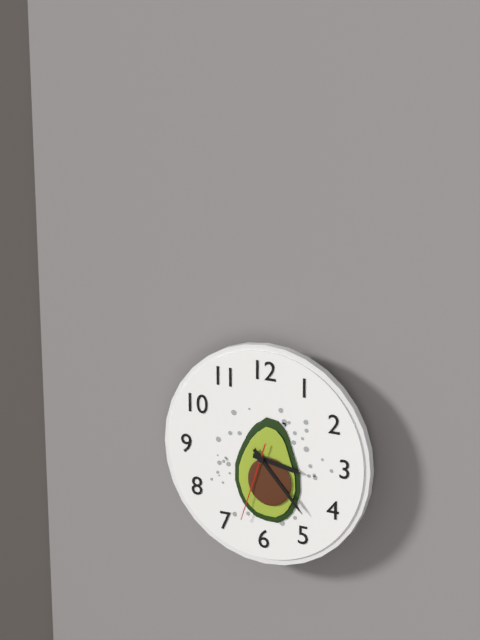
{"hour": 3, "minute": 23, "second": 33}
